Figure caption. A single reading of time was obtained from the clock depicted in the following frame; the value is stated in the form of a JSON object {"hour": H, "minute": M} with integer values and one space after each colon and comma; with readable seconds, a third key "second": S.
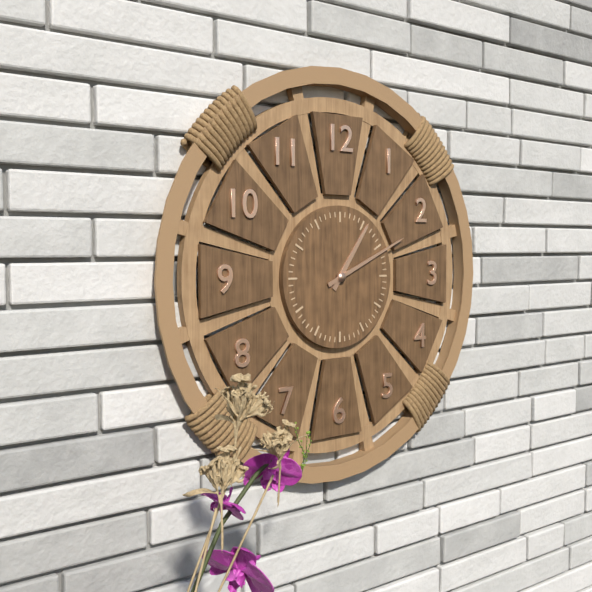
{"hour": 1, "minute": 11}
